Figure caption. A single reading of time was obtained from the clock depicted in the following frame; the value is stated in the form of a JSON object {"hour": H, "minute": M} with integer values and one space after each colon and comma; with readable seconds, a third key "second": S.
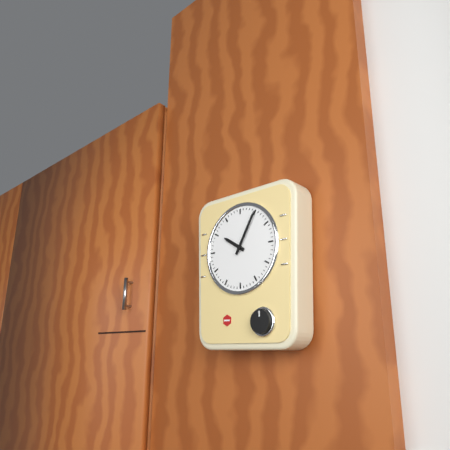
{"hour": 10, "minute": 5}
